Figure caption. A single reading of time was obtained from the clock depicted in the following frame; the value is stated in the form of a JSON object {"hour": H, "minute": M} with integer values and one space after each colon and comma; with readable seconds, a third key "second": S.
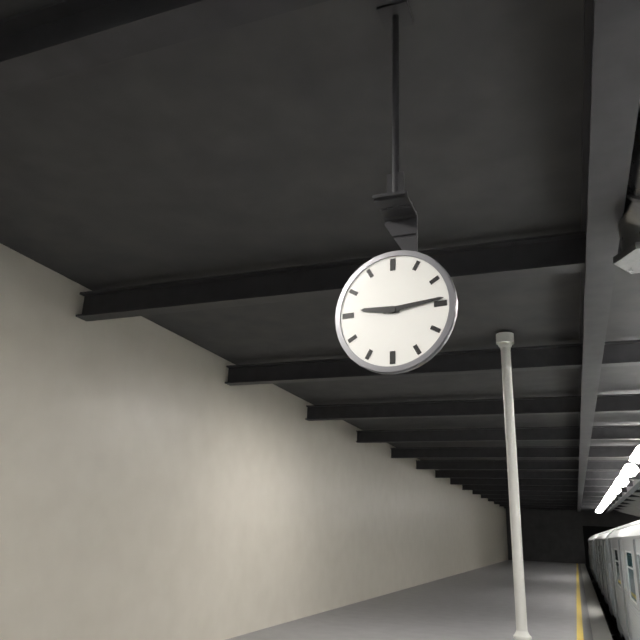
{"hour": 9, "minute": 14}
